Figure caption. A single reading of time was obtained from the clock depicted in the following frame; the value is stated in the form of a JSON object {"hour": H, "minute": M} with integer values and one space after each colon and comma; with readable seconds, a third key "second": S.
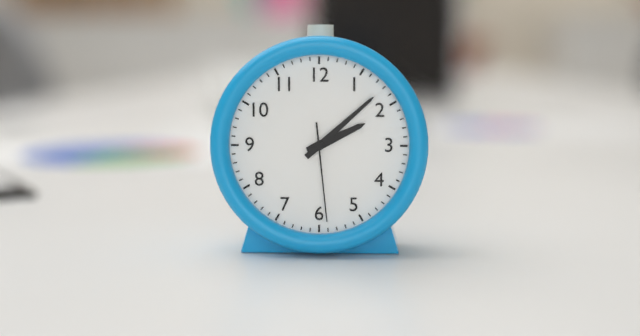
{"hour": 2, "minute": 8, "second": 29}
